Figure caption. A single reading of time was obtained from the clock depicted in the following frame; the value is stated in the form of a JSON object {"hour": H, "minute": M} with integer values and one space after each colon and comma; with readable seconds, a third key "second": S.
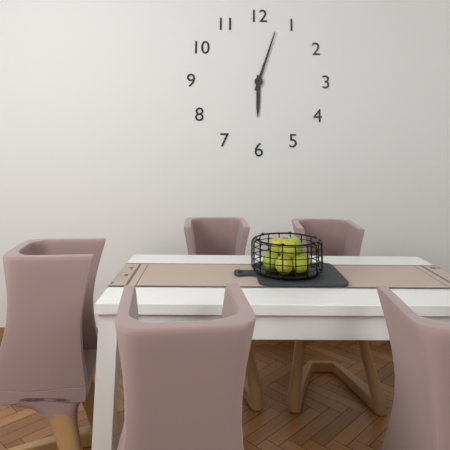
{"hour": 6, "minute": 3}
